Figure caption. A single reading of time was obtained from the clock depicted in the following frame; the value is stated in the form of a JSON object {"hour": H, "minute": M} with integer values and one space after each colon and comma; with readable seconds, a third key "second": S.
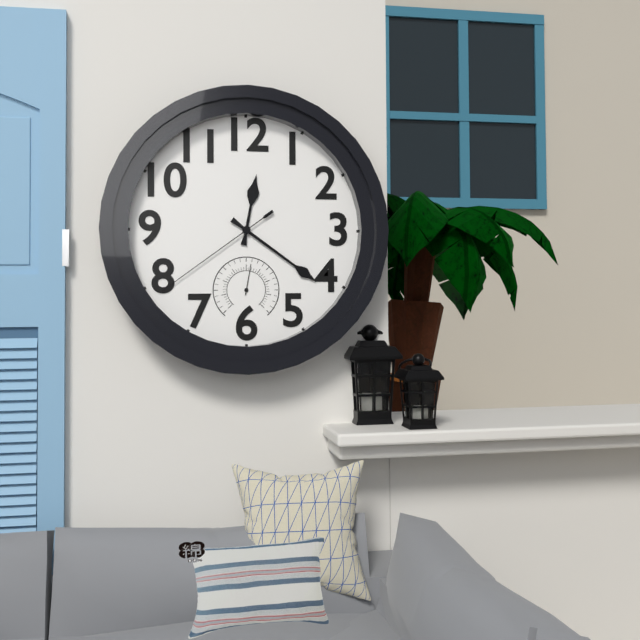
{"hour": 12, "minute": 21, "second": 39}
